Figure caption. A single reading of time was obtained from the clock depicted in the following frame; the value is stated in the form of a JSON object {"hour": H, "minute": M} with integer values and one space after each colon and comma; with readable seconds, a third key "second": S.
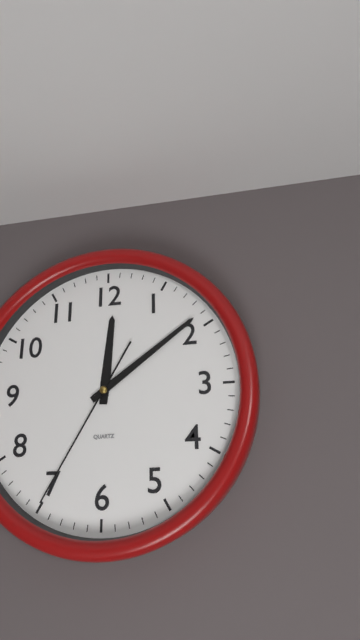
{"hour": 12, "minute": 9, "second": 35}
